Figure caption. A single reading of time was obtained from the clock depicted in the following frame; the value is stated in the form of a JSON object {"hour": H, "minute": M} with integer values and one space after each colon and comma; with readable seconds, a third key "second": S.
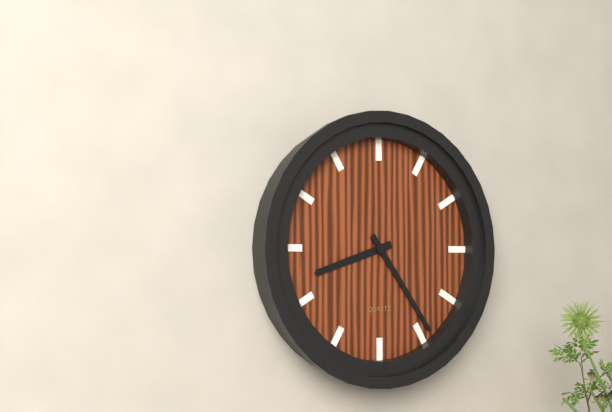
{"hour": 8, "minute": 24}
